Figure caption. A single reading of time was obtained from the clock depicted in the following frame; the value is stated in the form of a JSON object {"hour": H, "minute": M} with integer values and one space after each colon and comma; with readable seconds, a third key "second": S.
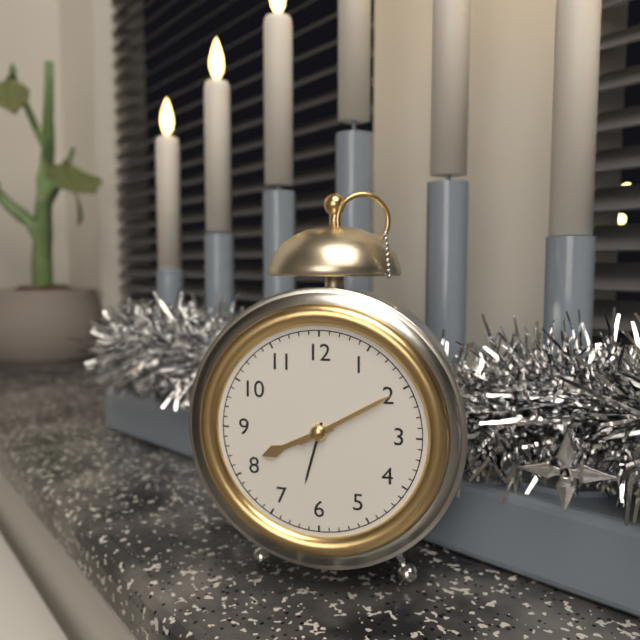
{"hour": 8, "minute": 10}
